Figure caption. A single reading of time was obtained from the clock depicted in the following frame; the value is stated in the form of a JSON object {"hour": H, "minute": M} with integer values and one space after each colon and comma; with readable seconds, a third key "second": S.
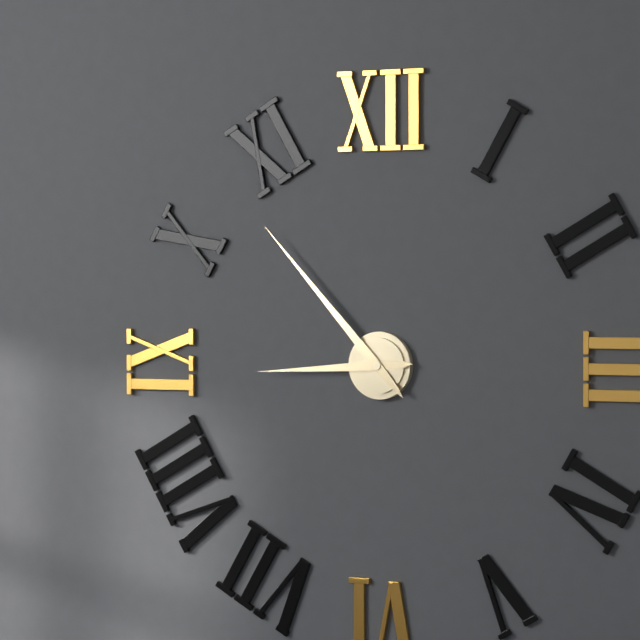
{"hour": 8, "minute": 53}
